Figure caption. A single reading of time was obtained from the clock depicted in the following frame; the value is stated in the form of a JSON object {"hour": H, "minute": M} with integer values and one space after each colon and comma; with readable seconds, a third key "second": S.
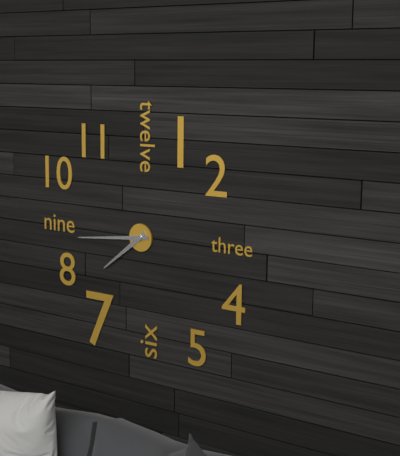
{"hour": 7, "minute": 44}
